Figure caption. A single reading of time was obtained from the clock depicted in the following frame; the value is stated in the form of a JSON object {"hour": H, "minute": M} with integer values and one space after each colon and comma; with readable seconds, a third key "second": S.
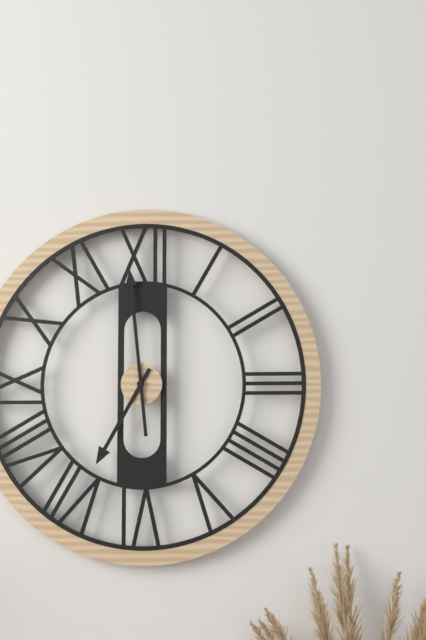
{"hour": 6, "minute": 59}
